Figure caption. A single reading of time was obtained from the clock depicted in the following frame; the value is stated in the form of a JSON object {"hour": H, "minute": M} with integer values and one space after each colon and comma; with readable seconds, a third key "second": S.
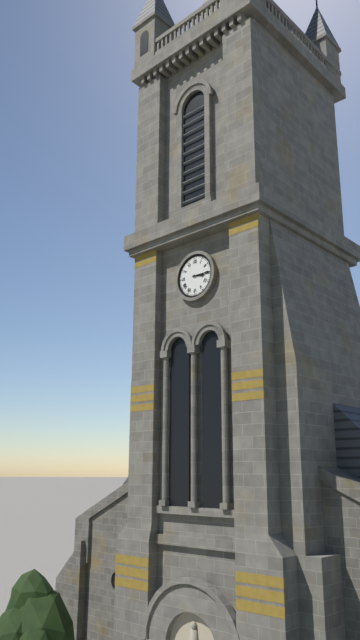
{"hour": 3, "minute": 15}
